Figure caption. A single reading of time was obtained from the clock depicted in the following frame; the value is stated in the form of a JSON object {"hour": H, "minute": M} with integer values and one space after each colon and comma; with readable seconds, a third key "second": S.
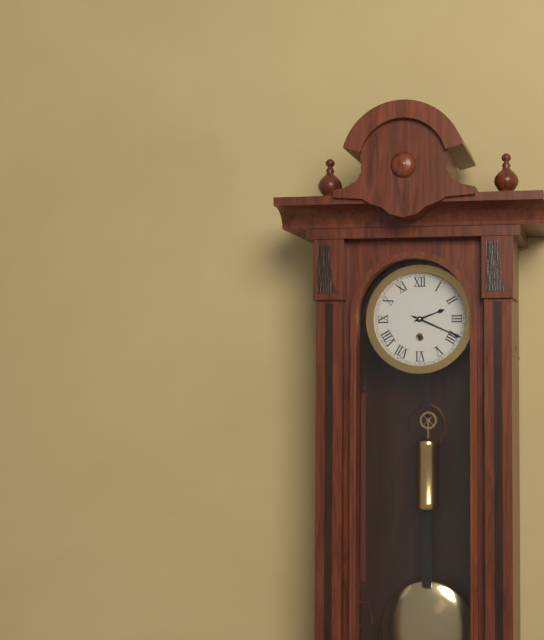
{"hour": 2, "minute": 19}
